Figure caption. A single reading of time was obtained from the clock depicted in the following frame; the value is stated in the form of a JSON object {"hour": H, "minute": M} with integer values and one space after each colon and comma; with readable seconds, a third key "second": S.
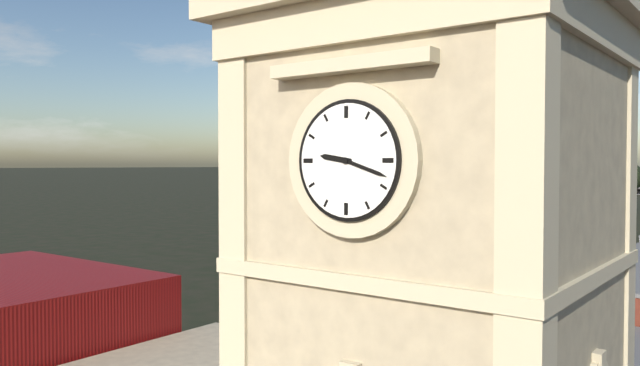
{"hour": 9, "minute": 18}
